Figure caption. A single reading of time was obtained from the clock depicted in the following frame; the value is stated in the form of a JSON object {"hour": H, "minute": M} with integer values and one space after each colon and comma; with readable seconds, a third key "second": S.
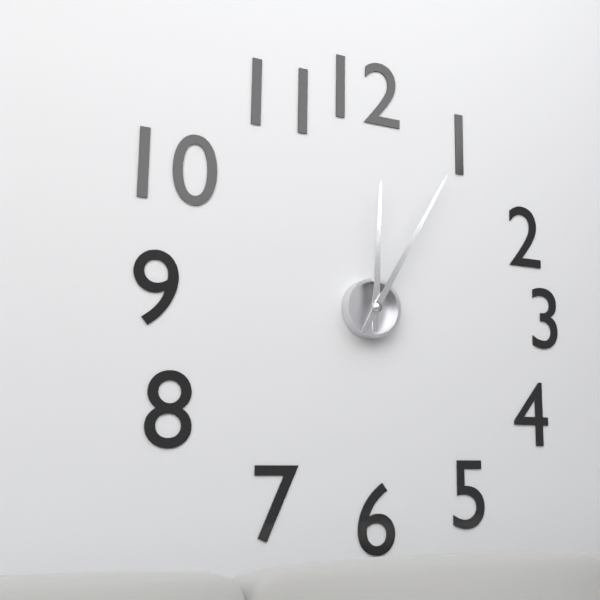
{"hour": 12, "minute": 5}
